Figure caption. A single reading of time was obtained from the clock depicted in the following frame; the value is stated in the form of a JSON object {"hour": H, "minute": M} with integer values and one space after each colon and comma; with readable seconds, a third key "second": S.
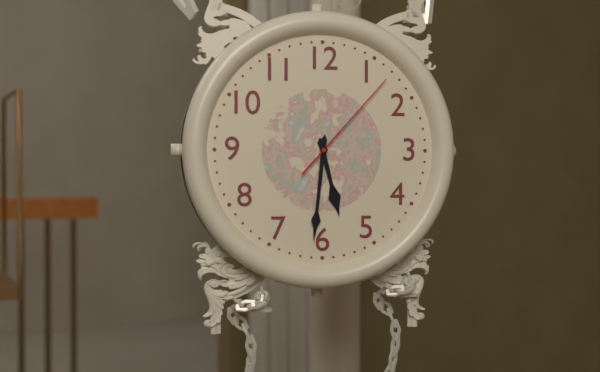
{"hour": 5, "minute": 31, "second": 7}
